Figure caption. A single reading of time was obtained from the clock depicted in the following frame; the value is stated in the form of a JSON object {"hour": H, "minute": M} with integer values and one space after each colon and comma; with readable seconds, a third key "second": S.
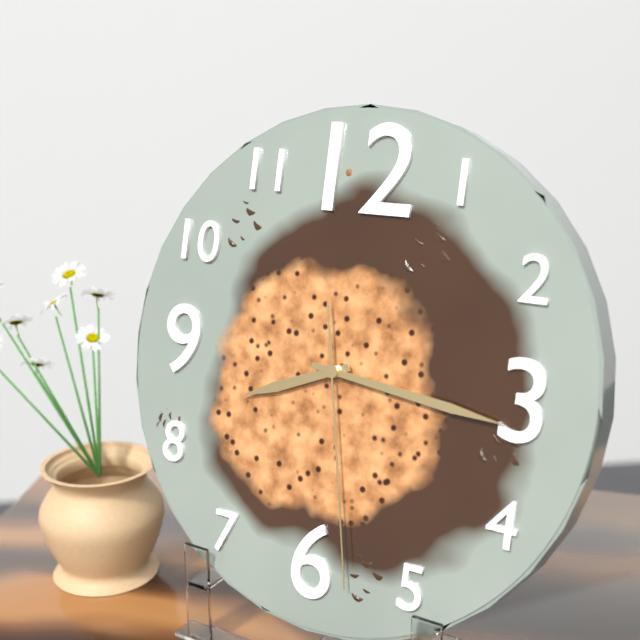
{"hour": 8, "minute": 16, "second": 28}
